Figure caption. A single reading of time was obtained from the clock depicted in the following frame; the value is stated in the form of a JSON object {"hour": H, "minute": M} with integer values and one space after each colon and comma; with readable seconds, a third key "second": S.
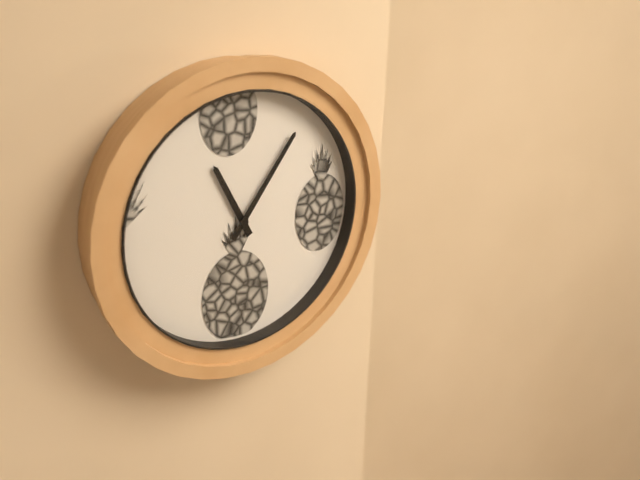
{"hour": 11, "minute": 6}
